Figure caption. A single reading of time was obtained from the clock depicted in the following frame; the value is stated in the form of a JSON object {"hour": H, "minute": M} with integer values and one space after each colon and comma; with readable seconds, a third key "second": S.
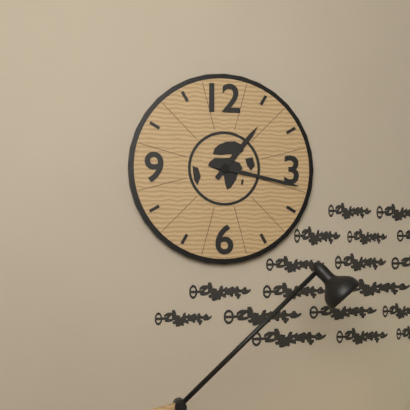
{"hour": 1, "minute": 17}
